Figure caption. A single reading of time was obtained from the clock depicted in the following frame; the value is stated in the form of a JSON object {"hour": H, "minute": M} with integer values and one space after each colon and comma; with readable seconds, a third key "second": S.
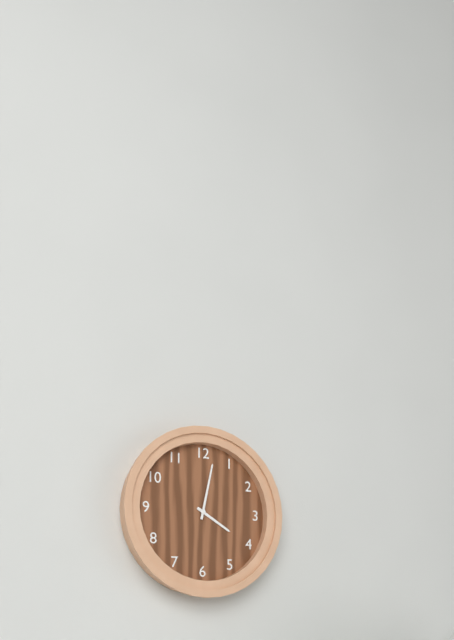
{"hour": 4, "minute": 2}
